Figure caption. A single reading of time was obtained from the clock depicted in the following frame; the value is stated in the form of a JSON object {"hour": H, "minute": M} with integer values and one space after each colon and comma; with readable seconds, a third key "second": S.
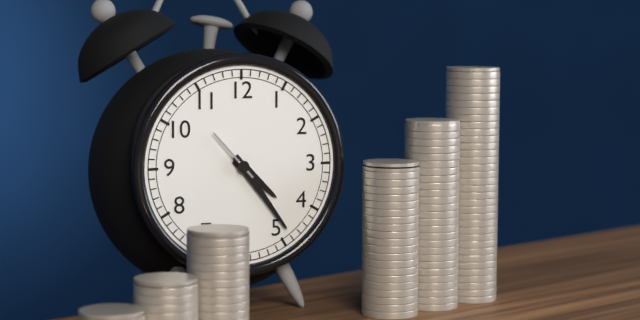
{"hour": 4, "minute": 24, "second": 53}
